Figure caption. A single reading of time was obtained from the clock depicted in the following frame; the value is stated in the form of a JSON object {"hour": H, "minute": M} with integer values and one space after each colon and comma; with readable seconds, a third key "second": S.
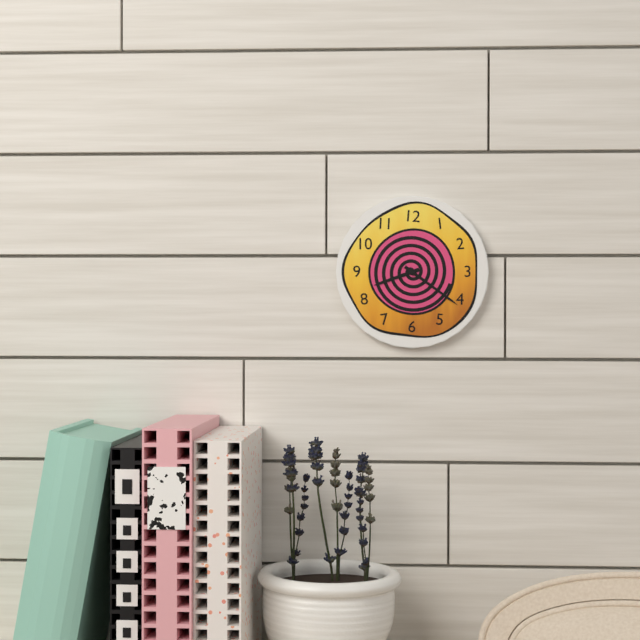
{"hour": 8, "minute": 21}
